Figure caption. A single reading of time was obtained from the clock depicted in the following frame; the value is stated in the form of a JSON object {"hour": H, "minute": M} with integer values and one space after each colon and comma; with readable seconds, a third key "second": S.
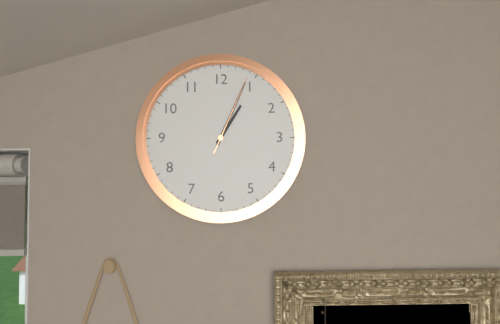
{"hour": 1, "minute": 4, "second": 4}
